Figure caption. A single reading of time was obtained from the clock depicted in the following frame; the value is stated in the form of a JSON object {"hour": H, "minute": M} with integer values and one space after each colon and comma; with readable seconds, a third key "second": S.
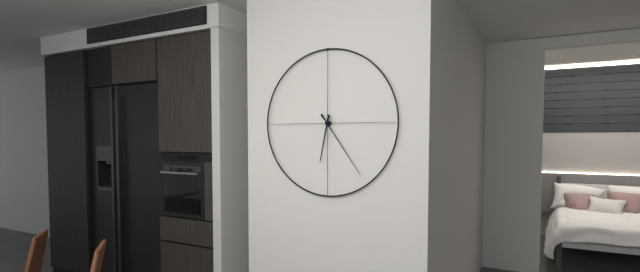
{"hour": 6, "minute": 24}
